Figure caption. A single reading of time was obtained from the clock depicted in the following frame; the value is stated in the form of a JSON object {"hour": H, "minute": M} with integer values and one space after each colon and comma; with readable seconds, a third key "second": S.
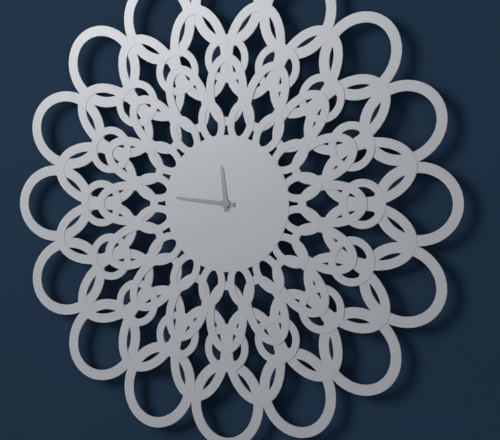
{"hour": 11, "minute": 46}
